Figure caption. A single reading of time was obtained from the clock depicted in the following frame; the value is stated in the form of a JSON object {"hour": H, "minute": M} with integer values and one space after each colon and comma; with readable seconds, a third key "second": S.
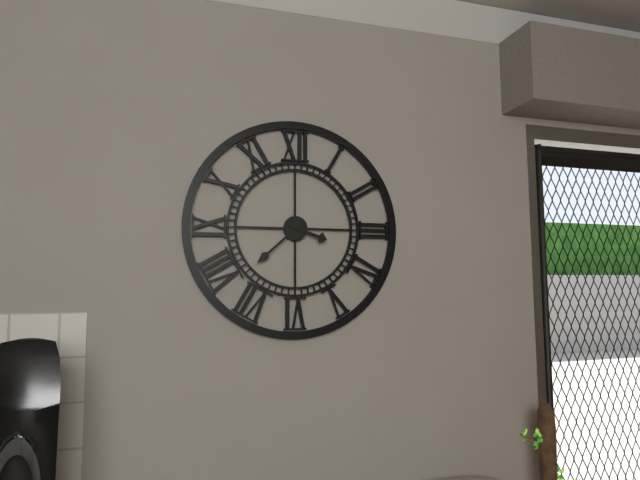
{"hour": 3, "minute": 38}
